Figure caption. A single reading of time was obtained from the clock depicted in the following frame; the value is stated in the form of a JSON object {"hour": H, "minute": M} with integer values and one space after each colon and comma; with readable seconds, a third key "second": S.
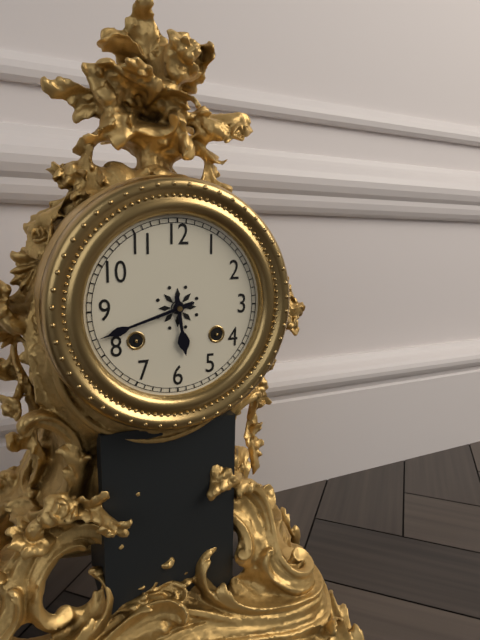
{"hour": 5, "minute": 42}
